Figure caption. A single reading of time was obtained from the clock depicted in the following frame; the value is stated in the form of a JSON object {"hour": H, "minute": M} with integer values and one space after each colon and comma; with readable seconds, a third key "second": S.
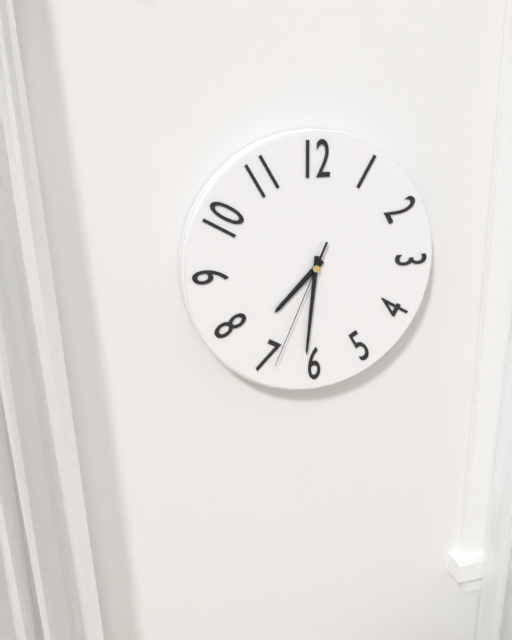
{"hour": 7, "minute": 31, "second": 34}
